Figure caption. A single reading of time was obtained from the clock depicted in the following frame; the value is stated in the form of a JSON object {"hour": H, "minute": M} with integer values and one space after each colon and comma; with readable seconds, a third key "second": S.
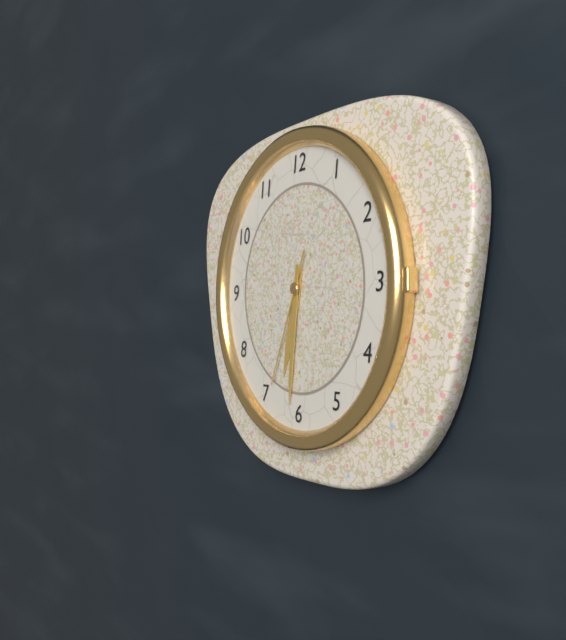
{"hour": 6, "minute": 31, "second": 34}
